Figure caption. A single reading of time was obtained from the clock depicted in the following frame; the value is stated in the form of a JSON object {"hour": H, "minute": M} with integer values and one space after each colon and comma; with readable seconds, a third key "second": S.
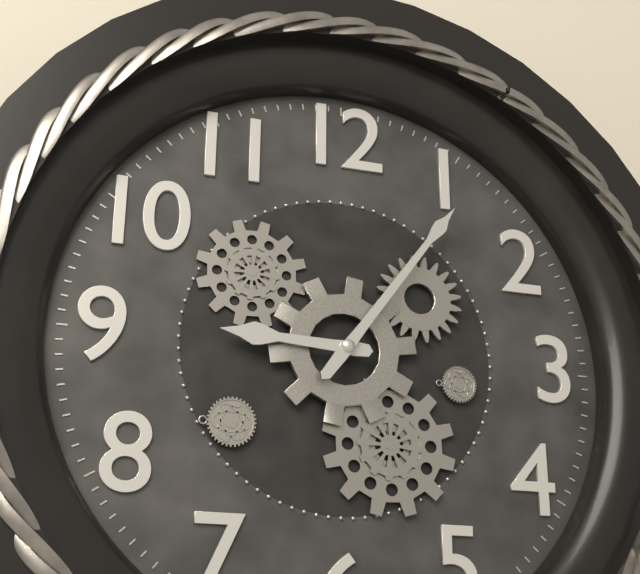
{"hour": 9, "minute": 6}
